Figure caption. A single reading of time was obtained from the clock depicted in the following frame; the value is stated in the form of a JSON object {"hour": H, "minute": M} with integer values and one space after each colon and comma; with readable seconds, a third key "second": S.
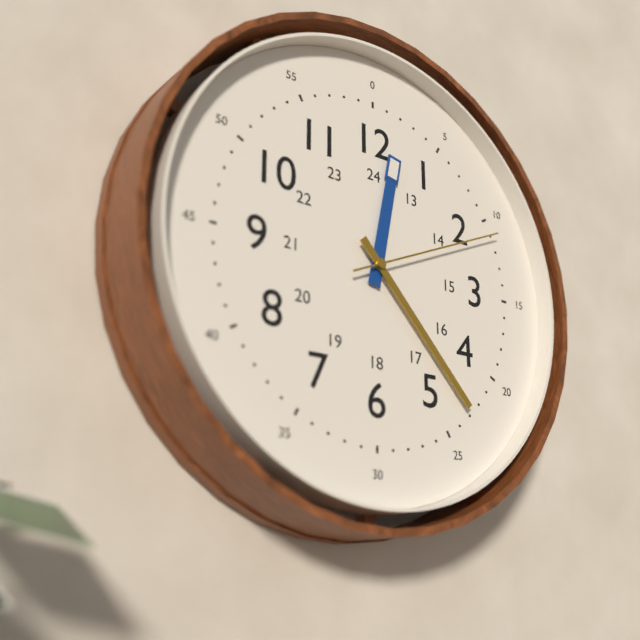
{"hour": 12, "minute": 23, "second": 11}
